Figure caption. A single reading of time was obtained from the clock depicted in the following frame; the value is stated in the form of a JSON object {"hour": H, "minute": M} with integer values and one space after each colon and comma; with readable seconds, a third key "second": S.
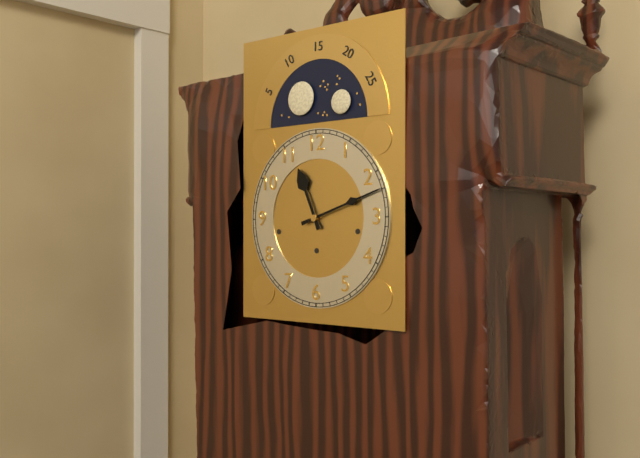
{"hour": 11, "minute": 12}
